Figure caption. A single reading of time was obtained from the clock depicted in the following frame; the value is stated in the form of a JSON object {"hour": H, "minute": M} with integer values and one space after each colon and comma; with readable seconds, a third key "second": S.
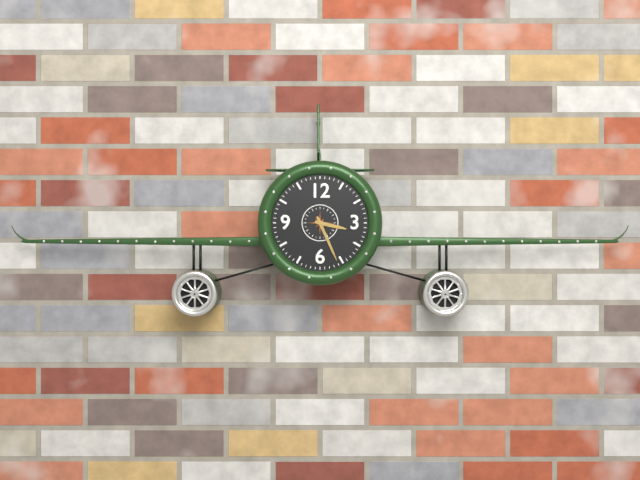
{"hour": 3, "minute": 26}
